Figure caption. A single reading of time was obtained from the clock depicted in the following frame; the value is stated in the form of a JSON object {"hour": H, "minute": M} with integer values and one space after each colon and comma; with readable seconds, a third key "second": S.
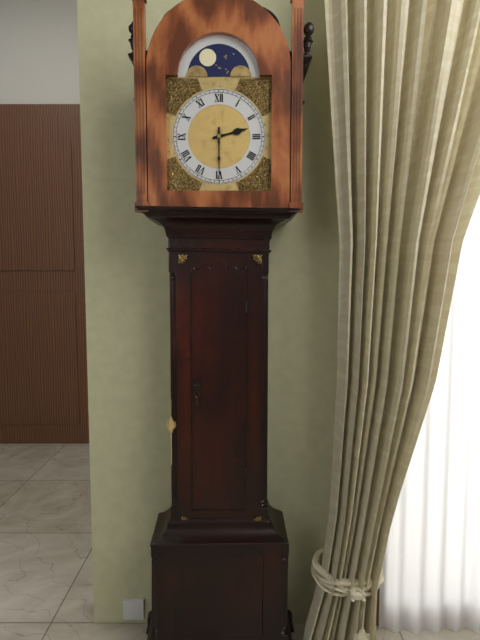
{"hour": 2, "minute": 30}
